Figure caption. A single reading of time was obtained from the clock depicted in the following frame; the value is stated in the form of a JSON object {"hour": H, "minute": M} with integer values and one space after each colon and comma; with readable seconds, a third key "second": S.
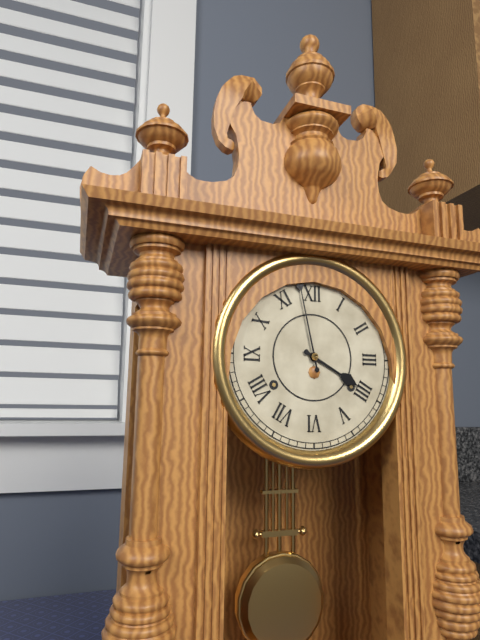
{"hour": 3, "minute": 58}
